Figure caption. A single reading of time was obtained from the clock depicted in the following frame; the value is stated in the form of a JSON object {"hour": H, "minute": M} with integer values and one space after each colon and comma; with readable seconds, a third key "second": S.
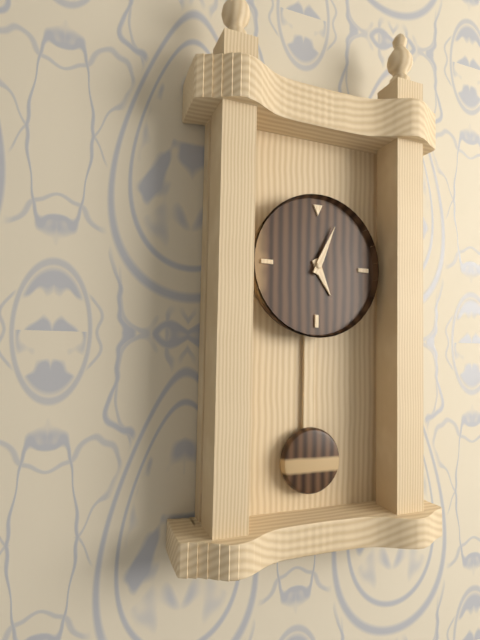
{"hour": 5, "minute": 4}
